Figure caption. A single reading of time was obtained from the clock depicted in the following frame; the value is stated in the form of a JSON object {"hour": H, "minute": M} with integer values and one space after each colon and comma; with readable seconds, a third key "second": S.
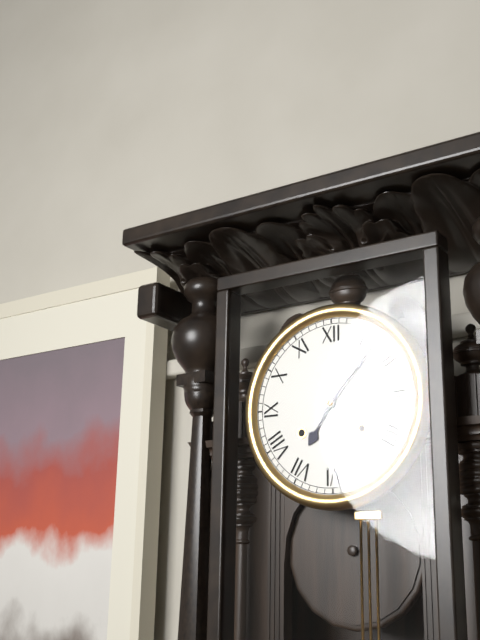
{"hour": 7, "minute": 7}
